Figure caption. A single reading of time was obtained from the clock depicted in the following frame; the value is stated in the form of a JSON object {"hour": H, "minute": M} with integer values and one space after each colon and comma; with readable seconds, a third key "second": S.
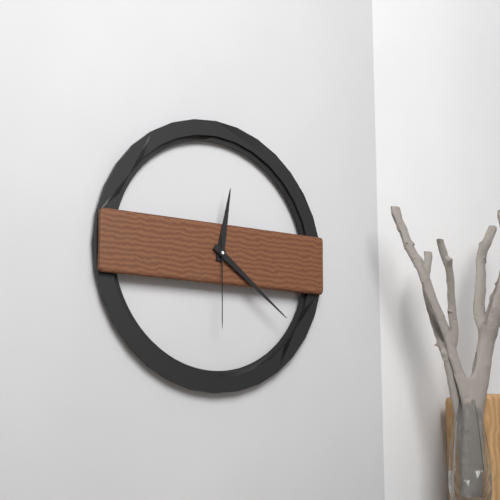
{"hour": 12, "minute": 21, "second": 30}
